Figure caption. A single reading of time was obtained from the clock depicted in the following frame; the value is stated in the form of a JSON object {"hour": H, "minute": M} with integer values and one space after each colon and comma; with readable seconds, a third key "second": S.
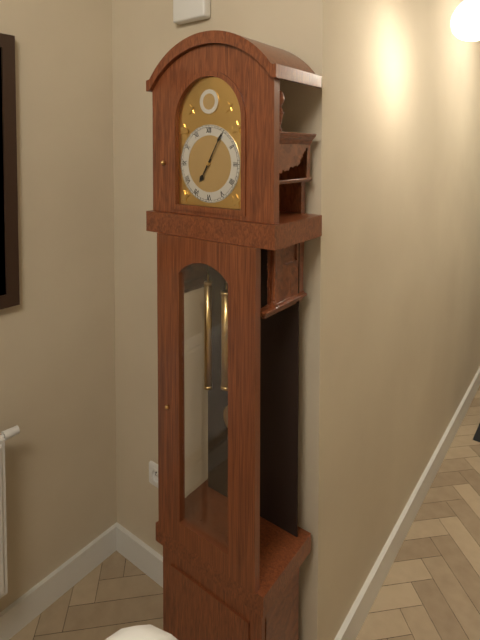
{"hour": 7, "minute": 5}
